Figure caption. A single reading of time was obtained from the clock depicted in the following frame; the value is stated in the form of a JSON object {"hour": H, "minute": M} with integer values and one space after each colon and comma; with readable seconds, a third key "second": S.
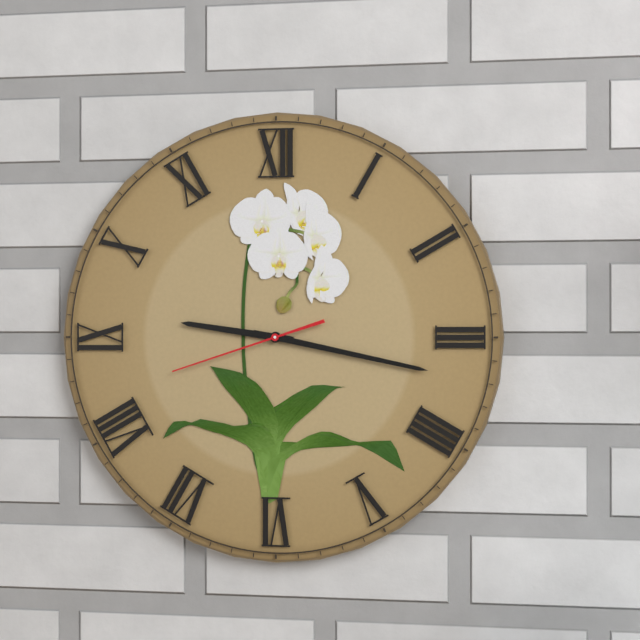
{"hour": 9, "minute": 17, "second": 42}
